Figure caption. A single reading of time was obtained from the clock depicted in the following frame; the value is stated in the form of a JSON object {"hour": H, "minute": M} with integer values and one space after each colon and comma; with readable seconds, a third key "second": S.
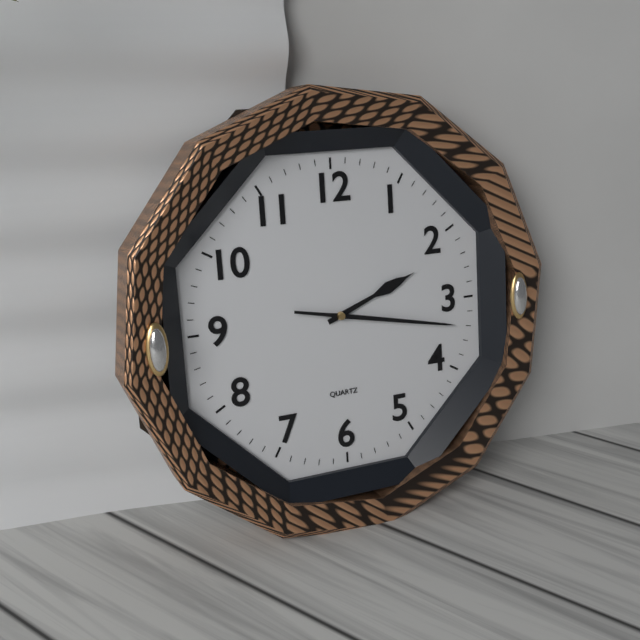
{"hour": 2, "minute": 17}
